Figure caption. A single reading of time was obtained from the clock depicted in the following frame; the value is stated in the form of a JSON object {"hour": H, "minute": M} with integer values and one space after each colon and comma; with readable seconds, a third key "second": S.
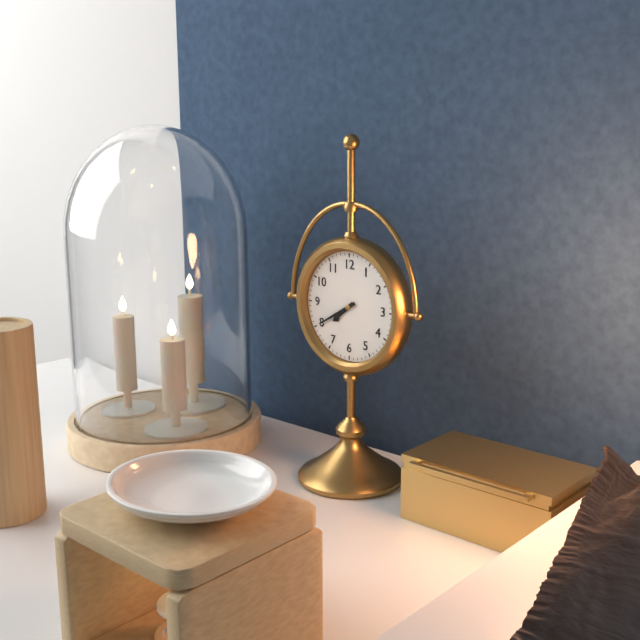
{"hour": 7, "minute": 40}
